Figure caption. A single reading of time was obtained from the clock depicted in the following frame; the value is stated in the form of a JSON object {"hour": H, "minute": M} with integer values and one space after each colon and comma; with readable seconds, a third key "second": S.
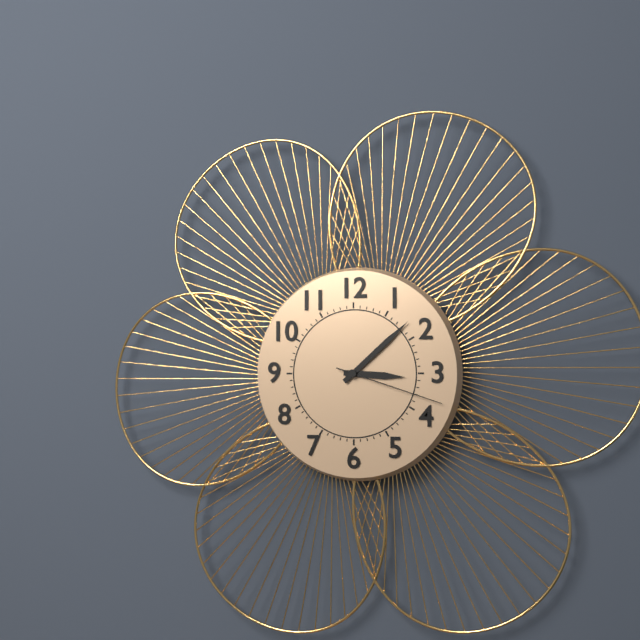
{"hour": 3, "minute": 8, "second": 18}
